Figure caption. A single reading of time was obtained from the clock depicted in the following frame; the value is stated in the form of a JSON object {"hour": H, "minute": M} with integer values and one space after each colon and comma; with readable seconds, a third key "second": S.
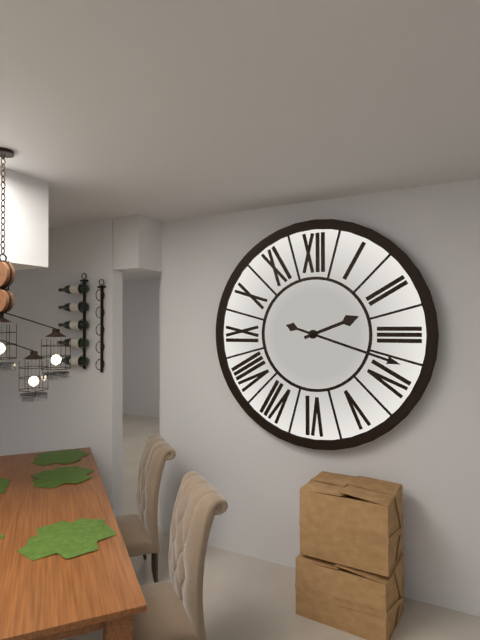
{"hour": 2, "minute": 18}
